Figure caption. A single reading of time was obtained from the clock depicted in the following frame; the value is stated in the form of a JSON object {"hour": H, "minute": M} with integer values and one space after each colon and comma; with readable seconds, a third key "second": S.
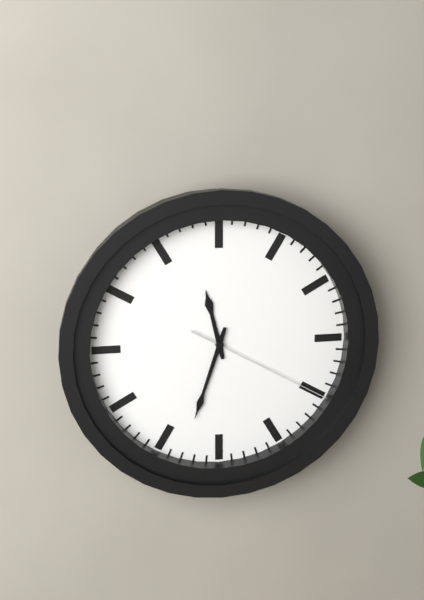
{"hour": 11, "minute": 33, "second": 20}
